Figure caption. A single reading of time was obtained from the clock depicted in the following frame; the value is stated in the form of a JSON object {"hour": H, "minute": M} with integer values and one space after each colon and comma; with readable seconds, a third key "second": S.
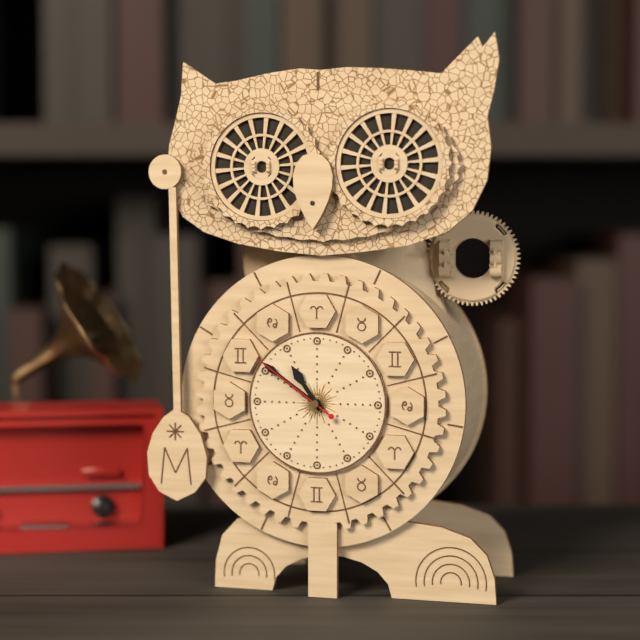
{"hour": 10, "minute": 51, "second": 51}
